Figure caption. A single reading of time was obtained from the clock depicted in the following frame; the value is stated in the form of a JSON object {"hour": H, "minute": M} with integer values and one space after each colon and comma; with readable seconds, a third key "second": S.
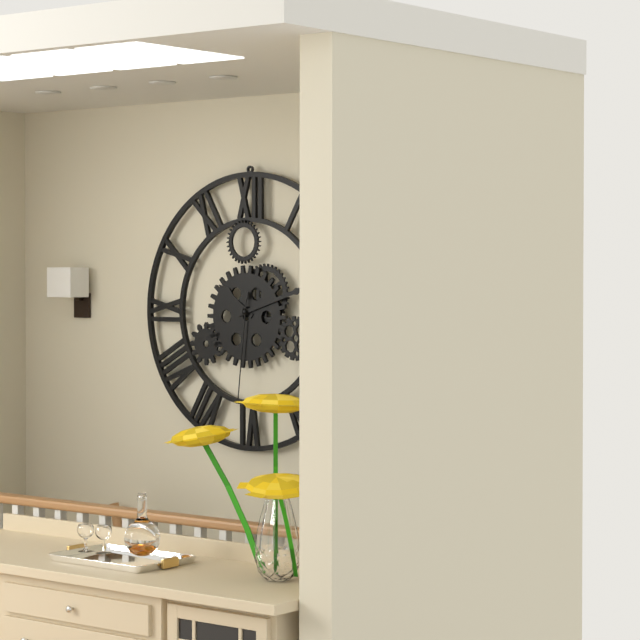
{"hour": 10, "minute": 12, "second": 31}
